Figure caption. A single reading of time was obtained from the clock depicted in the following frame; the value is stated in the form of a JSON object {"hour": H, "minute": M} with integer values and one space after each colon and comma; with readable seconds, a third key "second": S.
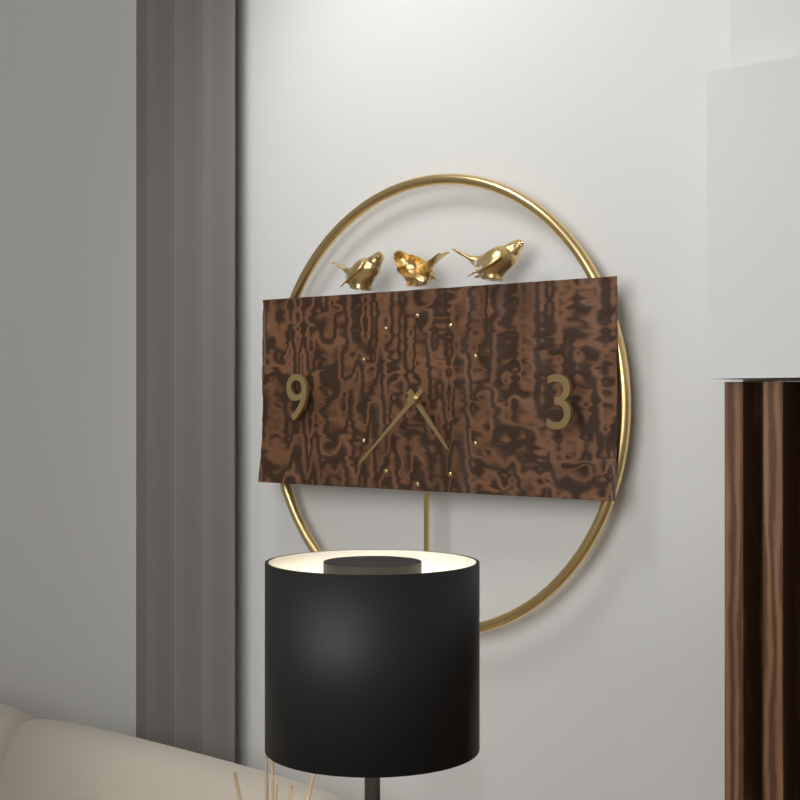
{"hour": 4, "minute": 38}
